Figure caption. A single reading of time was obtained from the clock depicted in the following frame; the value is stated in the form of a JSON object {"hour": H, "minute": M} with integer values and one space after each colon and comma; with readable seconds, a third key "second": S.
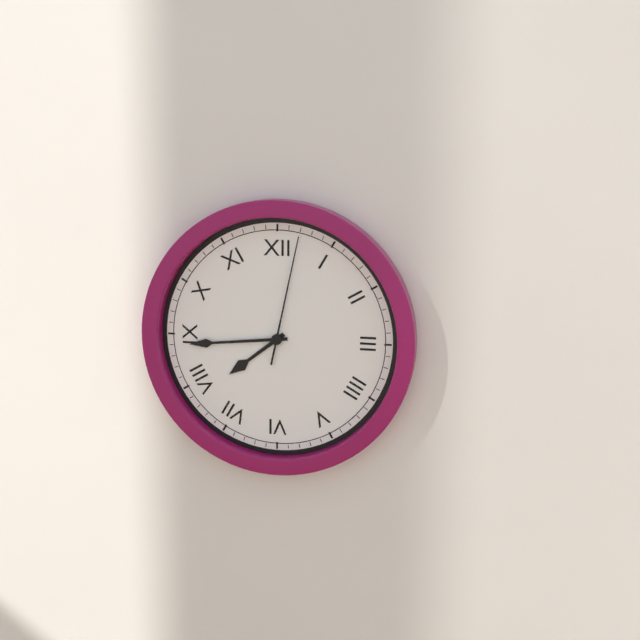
{"hour": 7, "minute": 44, "second": 2}
